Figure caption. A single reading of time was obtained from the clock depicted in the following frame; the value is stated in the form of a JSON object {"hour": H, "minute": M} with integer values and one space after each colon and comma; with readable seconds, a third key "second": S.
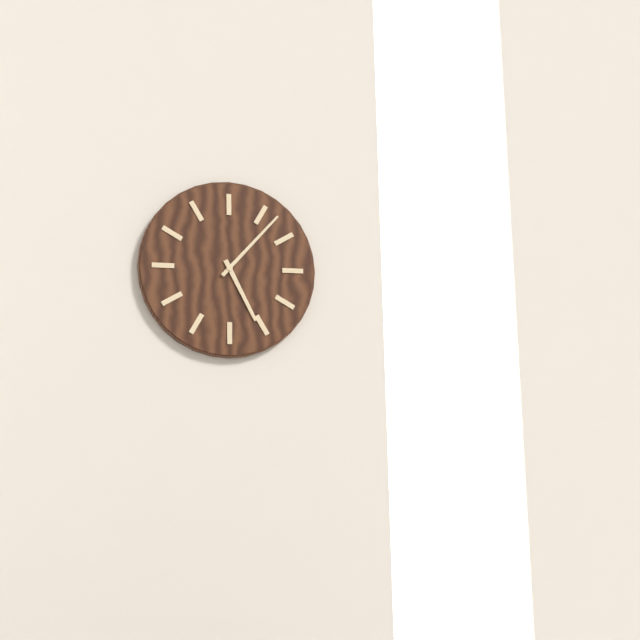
{"hour": 5, "minute": 7}
